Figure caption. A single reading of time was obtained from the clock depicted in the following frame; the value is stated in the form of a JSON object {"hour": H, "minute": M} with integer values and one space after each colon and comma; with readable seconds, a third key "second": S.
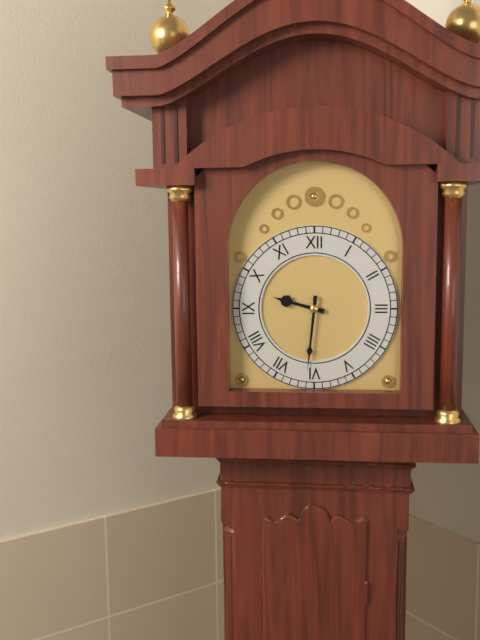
{"hour": 9, "minute": 31}
